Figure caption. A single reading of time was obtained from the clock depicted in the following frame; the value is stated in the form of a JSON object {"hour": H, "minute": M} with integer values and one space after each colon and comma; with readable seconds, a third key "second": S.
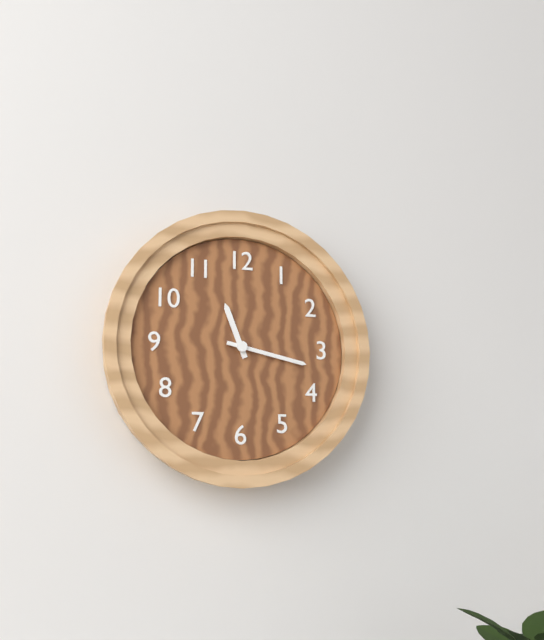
{"hour": 11, "minute": 17}
